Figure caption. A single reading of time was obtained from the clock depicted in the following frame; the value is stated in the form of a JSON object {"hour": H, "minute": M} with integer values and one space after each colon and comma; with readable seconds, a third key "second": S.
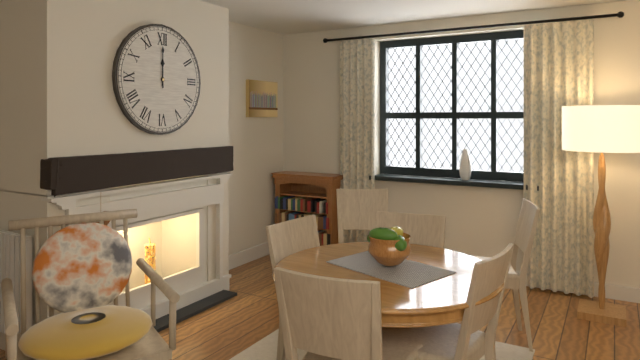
{"hour": 12, "minute": 0}
